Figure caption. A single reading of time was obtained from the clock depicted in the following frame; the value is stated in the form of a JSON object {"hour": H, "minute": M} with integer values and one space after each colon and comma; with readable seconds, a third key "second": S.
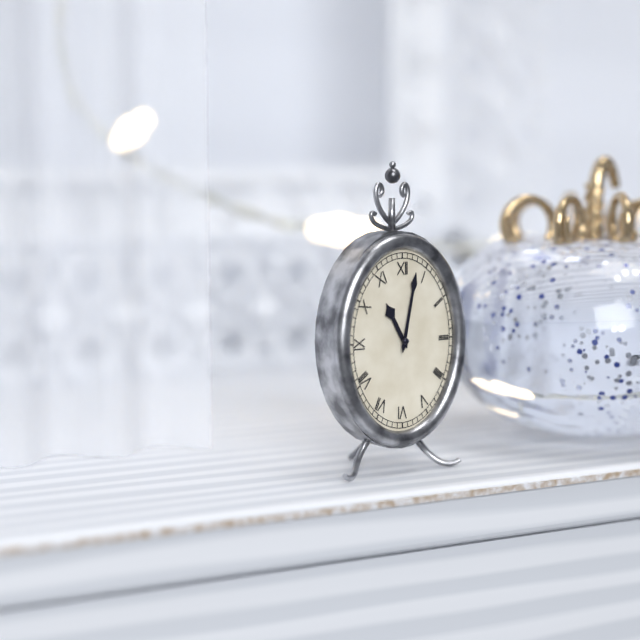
{"hour": 11, "minute": 2}
